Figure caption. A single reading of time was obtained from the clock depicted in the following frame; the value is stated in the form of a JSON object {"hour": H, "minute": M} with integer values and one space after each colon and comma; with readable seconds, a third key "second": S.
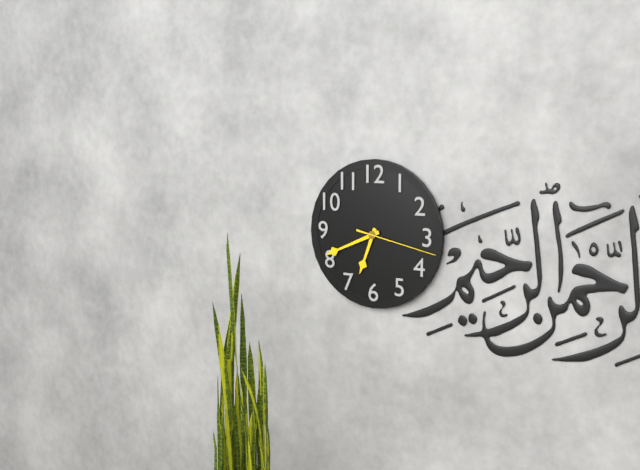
{"hour": 6, "minute": 41, "second": 17}
